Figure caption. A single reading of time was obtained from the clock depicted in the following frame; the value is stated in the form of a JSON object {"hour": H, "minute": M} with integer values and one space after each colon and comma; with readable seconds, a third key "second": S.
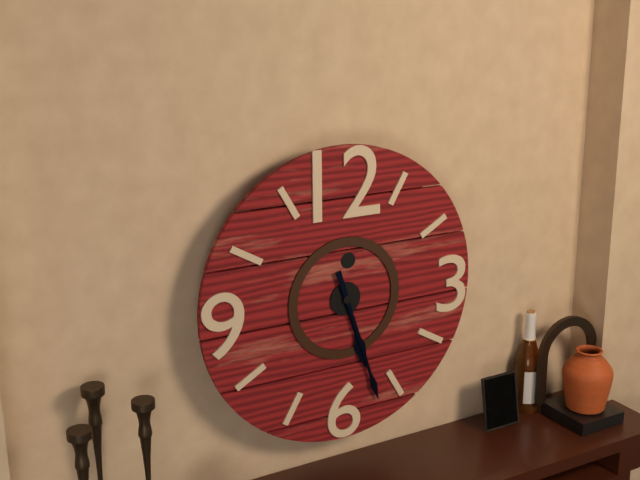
{"hour": 5, "minute": 27}
